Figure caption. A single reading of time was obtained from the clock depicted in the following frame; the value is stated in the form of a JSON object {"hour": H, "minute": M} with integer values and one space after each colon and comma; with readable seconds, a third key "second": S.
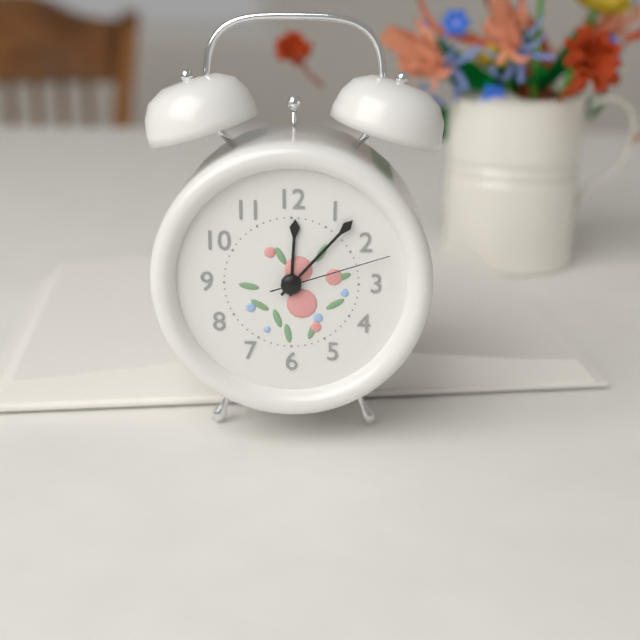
{"hour": 12, "minute": 7, "second": 12}
